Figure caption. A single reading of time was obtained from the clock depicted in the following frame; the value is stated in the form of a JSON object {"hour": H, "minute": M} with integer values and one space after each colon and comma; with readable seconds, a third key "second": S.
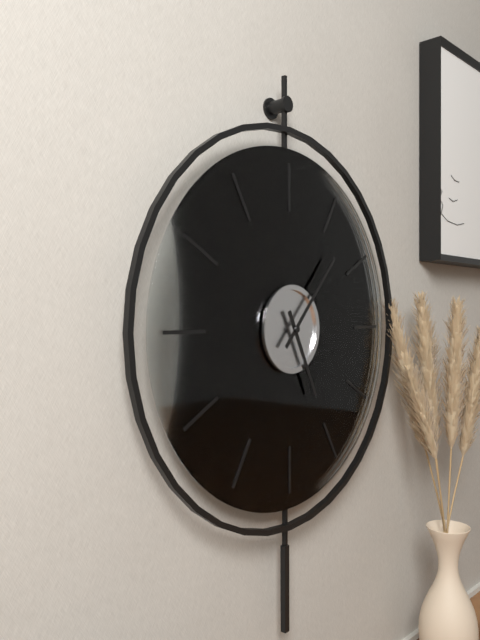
{"hour": 5, "minute": 7}
